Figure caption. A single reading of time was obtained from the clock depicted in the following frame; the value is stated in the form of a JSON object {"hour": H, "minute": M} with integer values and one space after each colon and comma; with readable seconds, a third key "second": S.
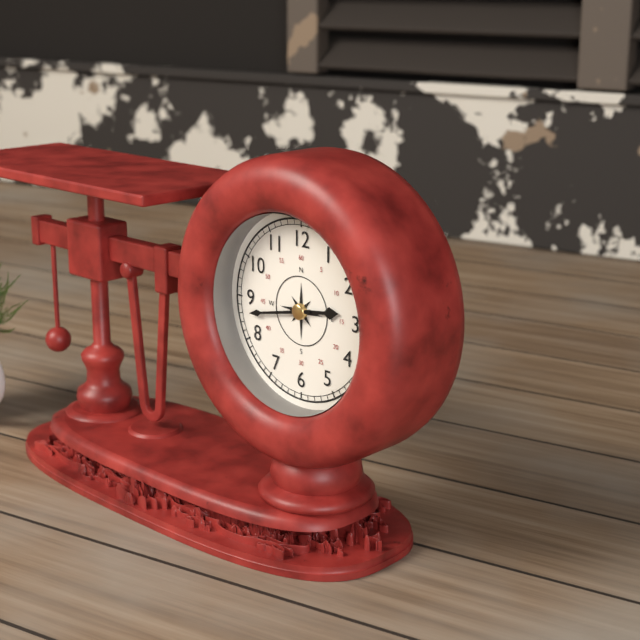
{"hour": 2, "minute": 43}
